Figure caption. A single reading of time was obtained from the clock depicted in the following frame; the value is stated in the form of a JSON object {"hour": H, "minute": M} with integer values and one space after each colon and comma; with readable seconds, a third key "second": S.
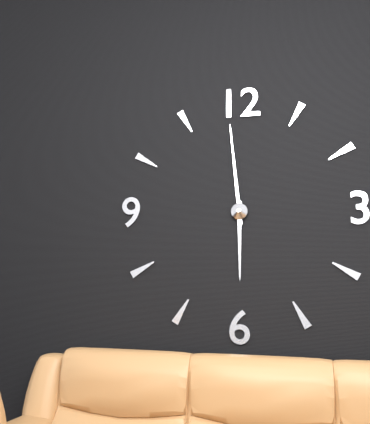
{"hour": 5, "minute": 59}
